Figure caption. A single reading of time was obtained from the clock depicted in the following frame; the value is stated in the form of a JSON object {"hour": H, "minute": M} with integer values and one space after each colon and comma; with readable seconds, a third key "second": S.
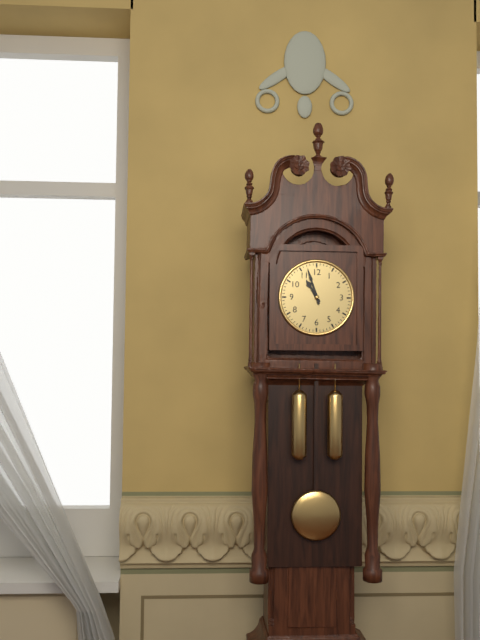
{"hour": 10, "minute": 57}
